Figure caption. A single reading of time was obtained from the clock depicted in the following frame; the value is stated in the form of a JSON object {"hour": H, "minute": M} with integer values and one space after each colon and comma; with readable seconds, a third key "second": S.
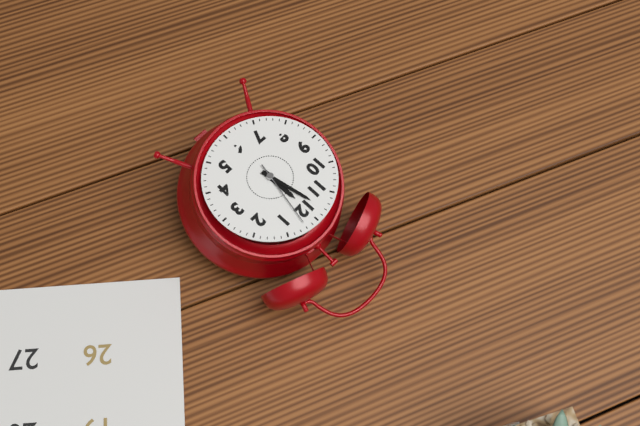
{"hour": 11, "minute": 58, "second": 2}
